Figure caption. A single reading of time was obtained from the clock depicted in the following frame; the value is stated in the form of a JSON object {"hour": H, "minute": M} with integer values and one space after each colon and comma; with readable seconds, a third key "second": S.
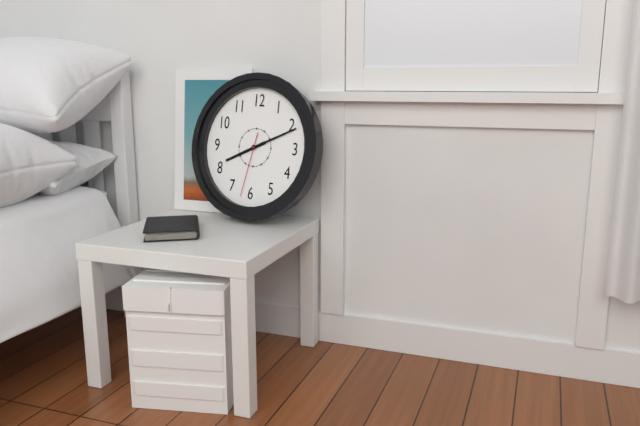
{"hour": 8, "minute": 11, "second": 32}
